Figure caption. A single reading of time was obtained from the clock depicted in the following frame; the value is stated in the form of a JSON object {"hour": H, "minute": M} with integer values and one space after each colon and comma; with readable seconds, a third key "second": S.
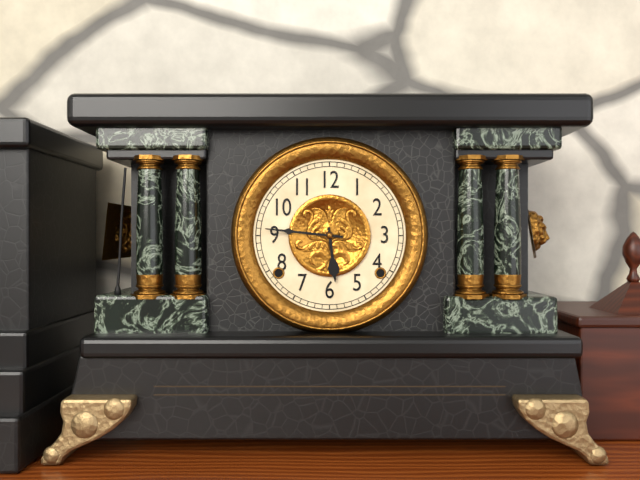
{"hour": 5, "minute": 46}
